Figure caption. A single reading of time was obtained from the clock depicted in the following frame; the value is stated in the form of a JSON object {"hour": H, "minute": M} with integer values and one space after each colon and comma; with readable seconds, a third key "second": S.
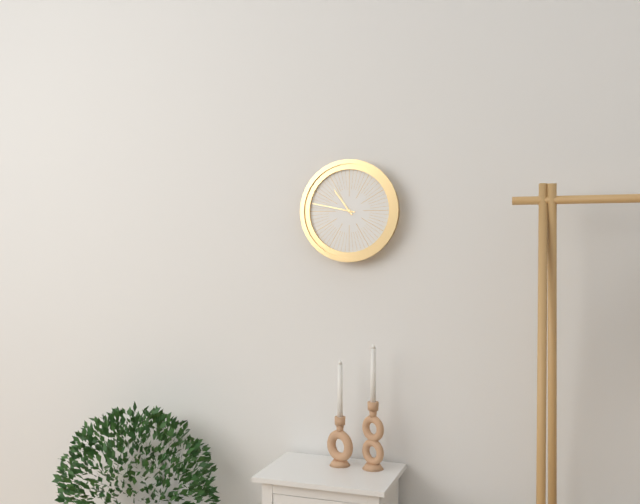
{"hour": 10, "minute": 47}
